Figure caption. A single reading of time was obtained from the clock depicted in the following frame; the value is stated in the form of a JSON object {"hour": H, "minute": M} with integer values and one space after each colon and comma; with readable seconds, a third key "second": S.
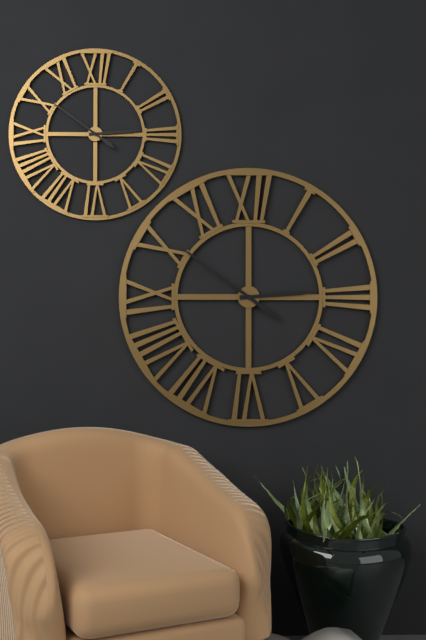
{"hour": 2, "minute": 51}
